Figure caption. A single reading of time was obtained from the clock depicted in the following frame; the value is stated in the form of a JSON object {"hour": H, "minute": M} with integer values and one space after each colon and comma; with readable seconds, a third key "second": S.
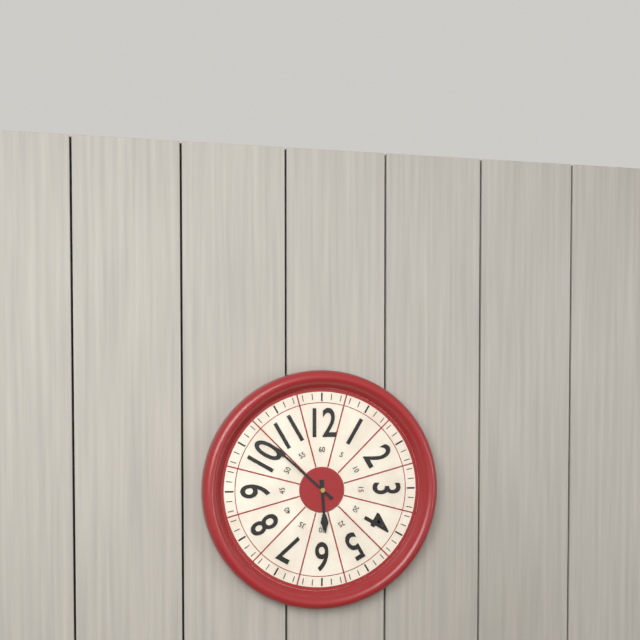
{"hour": 5, "minute": 52}
